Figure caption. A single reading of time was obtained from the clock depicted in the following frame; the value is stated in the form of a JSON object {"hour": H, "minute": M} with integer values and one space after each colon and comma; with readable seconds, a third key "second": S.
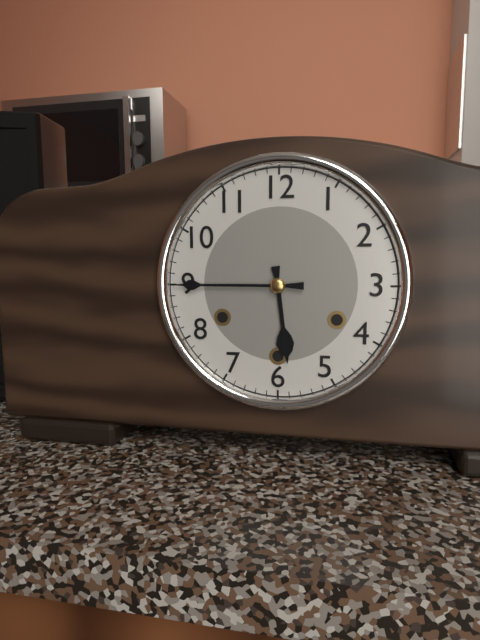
{"hour": 5, "minute": 45}
